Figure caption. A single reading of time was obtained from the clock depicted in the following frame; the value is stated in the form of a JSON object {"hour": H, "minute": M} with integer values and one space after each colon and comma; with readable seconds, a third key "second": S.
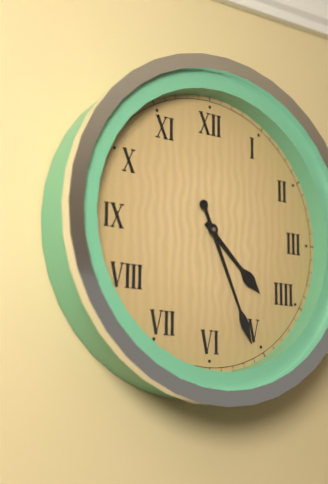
{"hour": 4, "minute": 26}
